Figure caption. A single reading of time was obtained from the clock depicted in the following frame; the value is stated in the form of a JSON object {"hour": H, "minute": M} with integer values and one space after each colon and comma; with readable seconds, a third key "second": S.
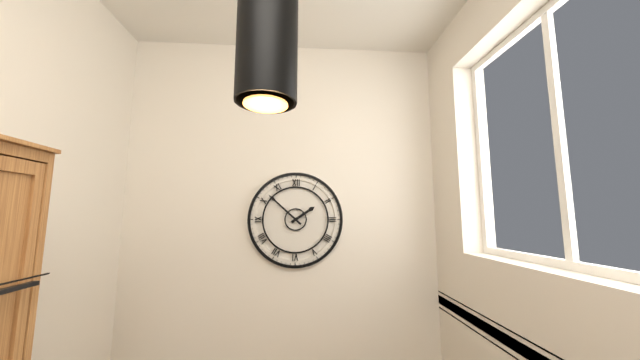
{"hour": 1, "minute": 52}
